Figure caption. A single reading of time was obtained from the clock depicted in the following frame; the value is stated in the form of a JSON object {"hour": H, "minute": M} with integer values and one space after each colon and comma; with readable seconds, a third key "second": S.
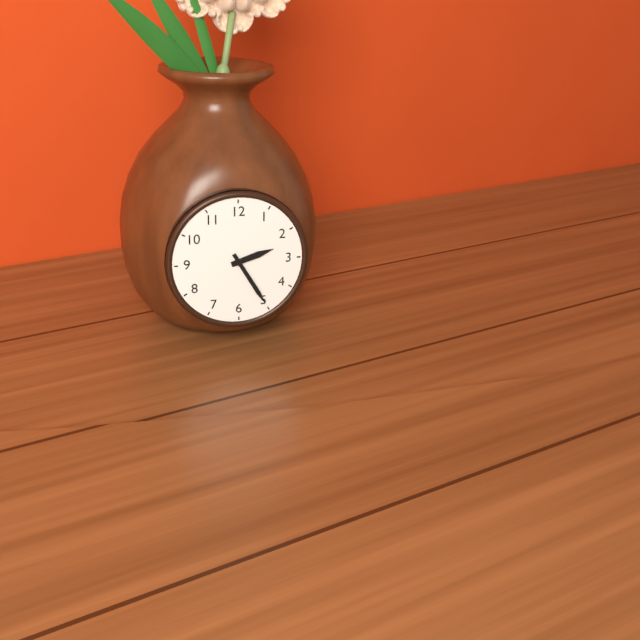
{"hour": 2, "minute": 25}
